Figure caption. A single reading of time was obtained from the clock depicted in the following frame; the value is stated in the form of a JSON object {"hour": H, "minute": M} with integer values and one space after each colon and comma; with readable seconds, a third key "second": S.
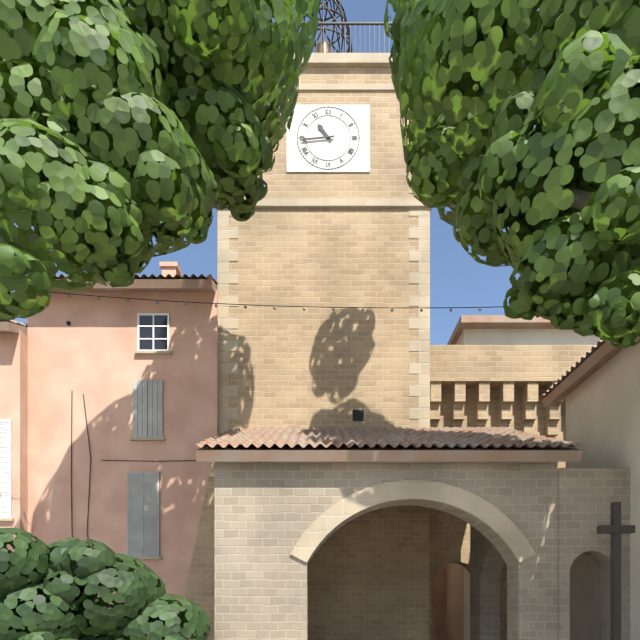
{"hour": 10, "minute": 44}
